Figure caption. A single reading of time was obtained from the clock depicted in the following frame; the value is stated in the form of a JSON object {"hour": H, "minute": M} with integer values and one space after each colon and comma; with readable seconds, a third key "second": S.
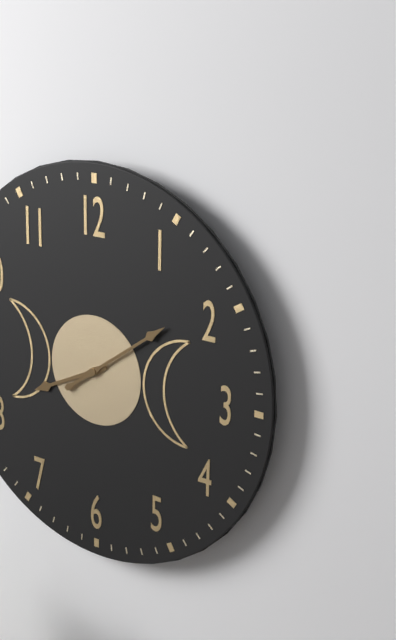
{"hour": 8, "minute": 9}
